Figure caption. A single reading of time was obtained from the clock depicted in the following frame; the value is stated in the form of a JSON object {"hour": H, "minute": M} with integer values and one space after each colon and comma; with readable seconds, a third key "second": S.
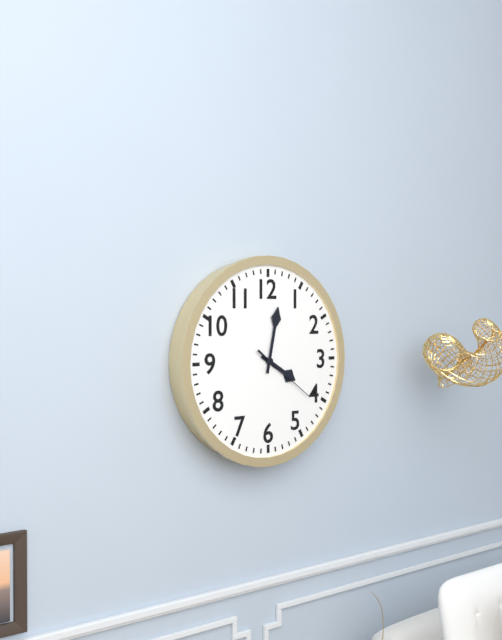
{"hour": 4, "minute": 2, "second": 21}
